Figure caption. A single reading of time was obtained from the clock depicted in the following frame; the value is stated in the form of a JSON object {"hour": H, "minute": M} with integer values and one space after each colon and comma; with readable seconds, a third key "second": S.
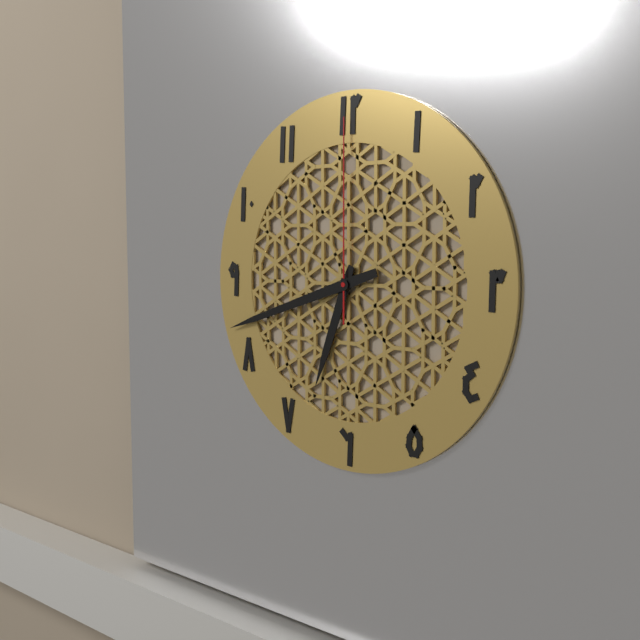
{"hour": 6, "minute": 42, "second": 0}
